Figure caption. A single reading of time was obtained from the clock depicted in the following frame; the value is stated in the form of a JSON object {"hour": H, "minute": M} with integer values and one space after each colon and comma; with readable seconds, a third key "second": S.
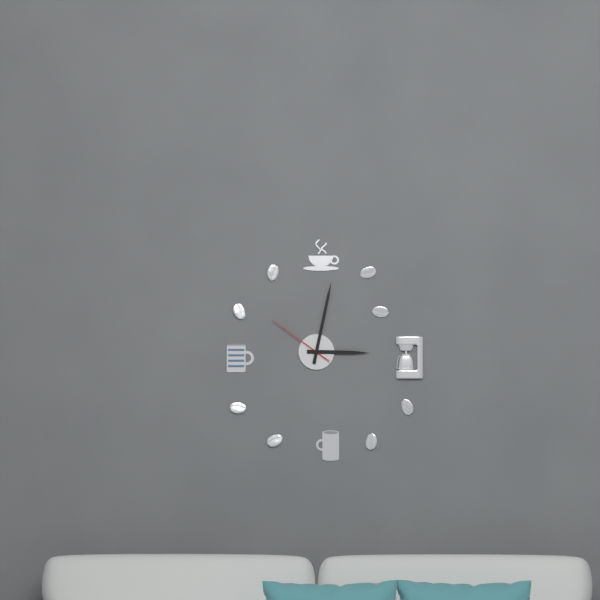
{"hour": 3, "minute": 2, "second": 51}
